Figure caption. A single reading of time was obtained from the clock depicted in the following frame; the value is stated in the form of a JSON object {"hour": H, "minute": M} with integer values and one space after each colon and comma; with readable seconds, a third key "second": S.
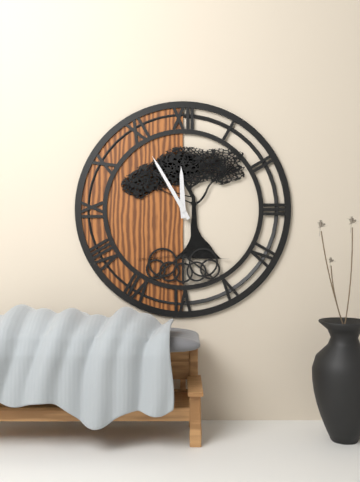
{"hour": 11, "minute": 55}
